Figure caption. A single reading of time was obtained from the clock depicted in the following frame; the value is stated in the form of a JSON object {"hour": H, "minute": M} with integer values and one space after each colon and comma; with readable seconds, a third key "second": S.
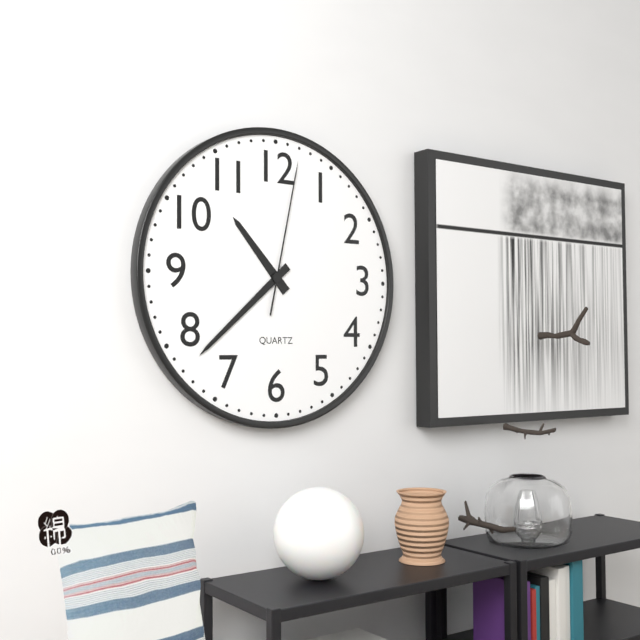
{"hour": 10, "minute": 38, "second": 2}
